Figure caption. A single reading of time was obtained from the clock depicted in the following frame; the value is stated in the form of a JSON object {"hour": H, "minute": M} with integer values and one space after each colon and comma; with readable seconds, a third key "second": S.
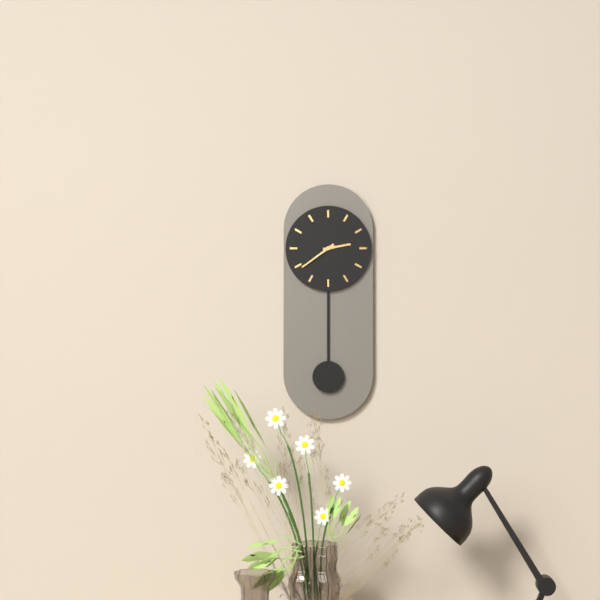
{"hour": 2, "minute": 39}
